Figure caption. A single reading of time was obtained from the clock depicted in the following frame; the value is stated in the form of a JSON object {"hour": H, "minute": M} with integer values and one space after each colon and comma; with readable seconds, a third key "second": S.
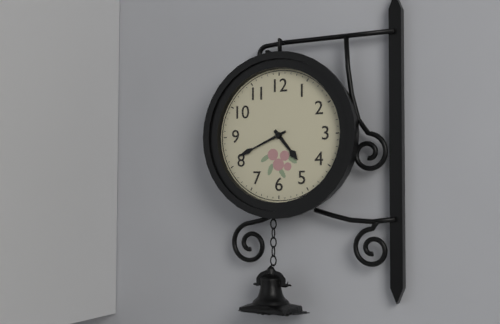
{"hour": 4, "minute": 41}
